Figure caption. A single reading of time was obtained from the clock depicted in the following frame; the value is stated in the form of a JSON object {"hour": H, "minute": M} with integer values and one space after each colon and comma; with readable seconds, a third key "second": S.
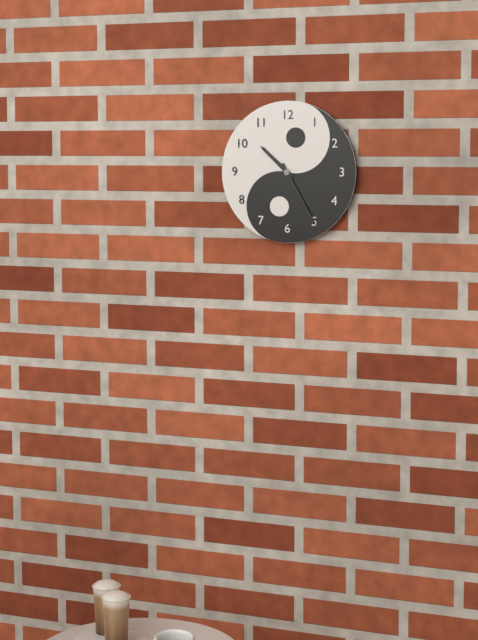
{"hour": 10, "minute": 25}
